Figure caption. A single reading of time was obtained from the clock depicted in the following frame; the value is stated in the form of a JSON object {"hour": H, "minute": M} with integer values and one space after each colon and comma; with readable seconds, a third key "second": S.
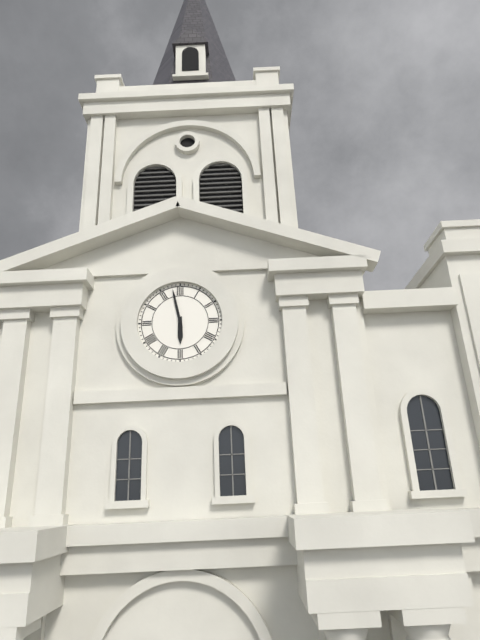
{"hour": 5, "minute": 58}
